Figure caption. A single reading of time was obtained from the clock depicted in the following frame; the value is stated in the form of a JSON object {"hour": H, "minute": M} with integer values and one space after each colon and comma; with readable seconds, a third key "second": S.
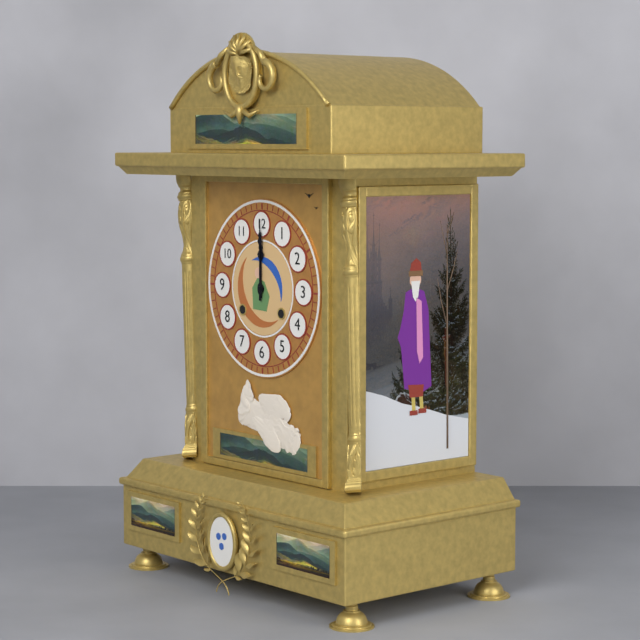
{"hour": 12, "minute": 0}
